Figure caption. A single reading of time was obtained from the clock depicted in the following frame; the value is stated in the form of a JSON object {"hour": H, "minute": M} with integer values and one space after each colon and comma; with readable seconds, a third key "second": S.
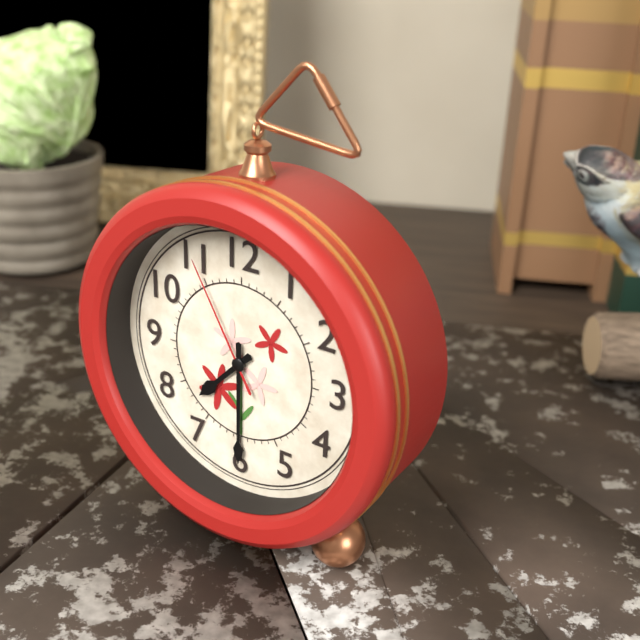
{"hour": 7, "minute": 30, "second": 55}
